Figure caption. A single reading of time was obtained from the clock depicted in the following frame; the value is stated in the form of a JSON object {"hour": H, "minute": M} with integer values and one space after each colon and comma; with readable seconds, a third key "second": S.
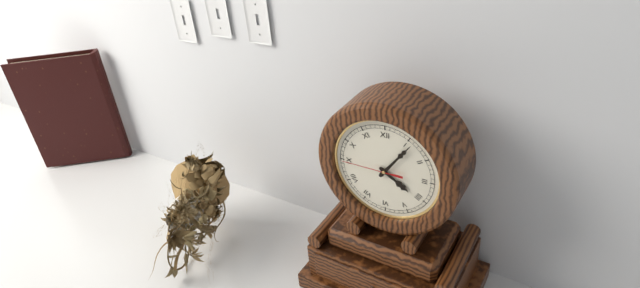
{"hour": 4, "minute": 6, "second": 45}
